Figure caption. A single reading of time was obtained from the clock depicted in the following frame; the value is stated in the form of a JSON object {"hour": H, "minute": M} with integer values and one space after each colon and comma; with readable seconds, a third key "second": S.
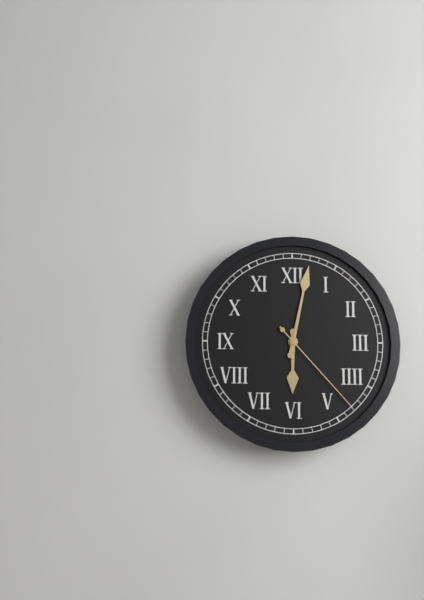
{"hour": 6, "minute": 2, "second": 23}
